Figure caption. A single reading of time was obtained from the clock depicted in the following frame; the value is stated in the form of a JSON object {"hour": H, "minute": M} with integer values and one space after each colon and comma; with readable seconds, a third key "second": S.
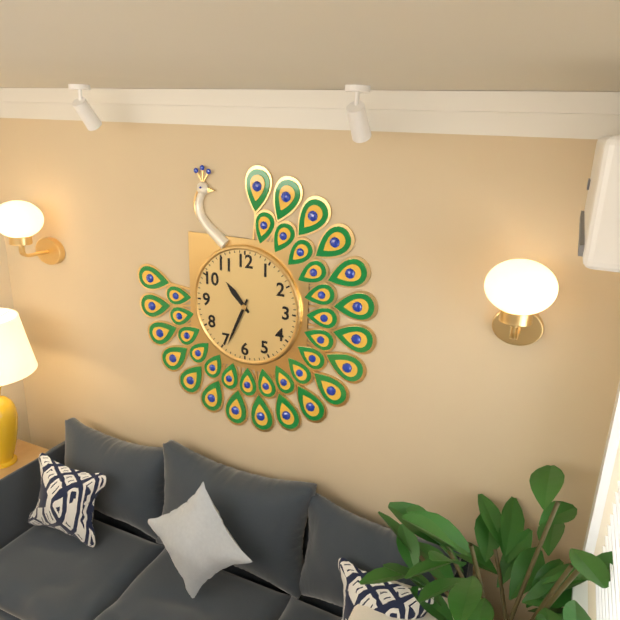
{"hour": 10, "minute": 34}
